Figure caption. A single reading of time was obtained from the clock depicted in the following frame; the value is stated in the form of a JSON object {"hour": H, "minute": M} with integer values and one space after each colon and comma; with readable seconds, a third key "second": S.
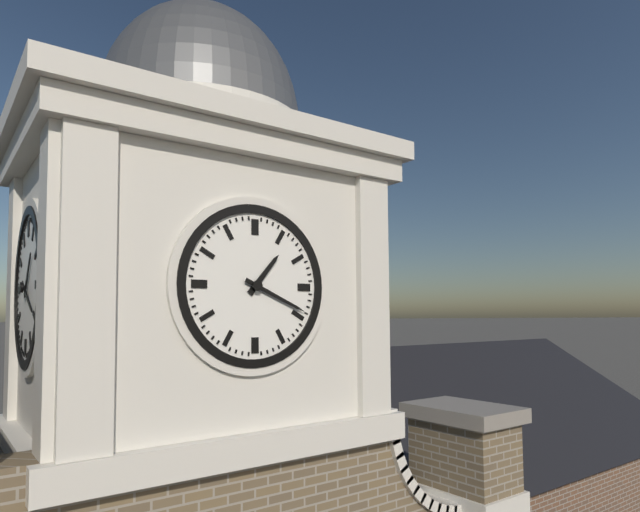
{"hour": 1, "minute": 19}
